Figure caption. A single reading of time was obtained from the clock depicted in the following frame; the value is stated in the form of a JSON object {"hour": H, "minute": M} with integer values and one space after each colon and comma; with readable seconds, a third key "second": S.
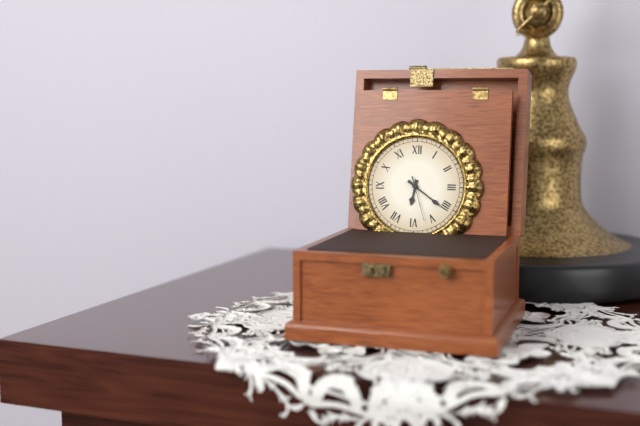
{"hour": 6, "minute": 21}
